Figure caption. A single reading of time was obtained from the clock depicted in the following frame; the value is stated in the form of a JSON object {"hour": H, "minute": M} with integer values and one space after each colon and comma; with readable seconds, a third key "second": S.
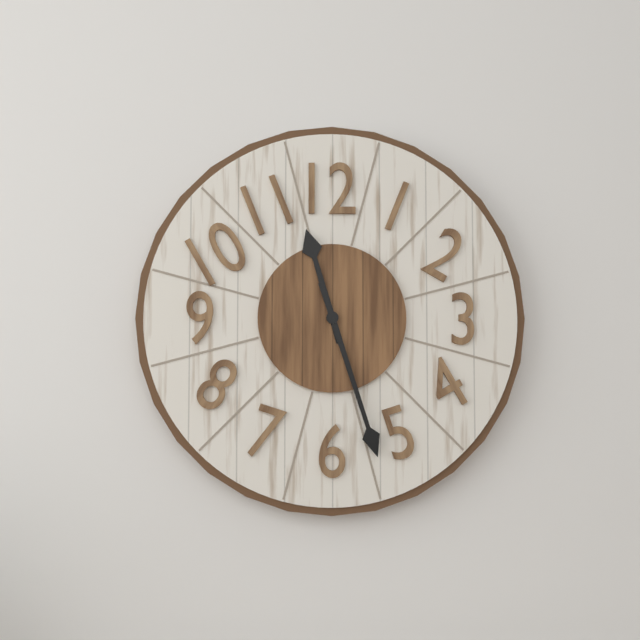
{"hour": 11, "minute": 27}
